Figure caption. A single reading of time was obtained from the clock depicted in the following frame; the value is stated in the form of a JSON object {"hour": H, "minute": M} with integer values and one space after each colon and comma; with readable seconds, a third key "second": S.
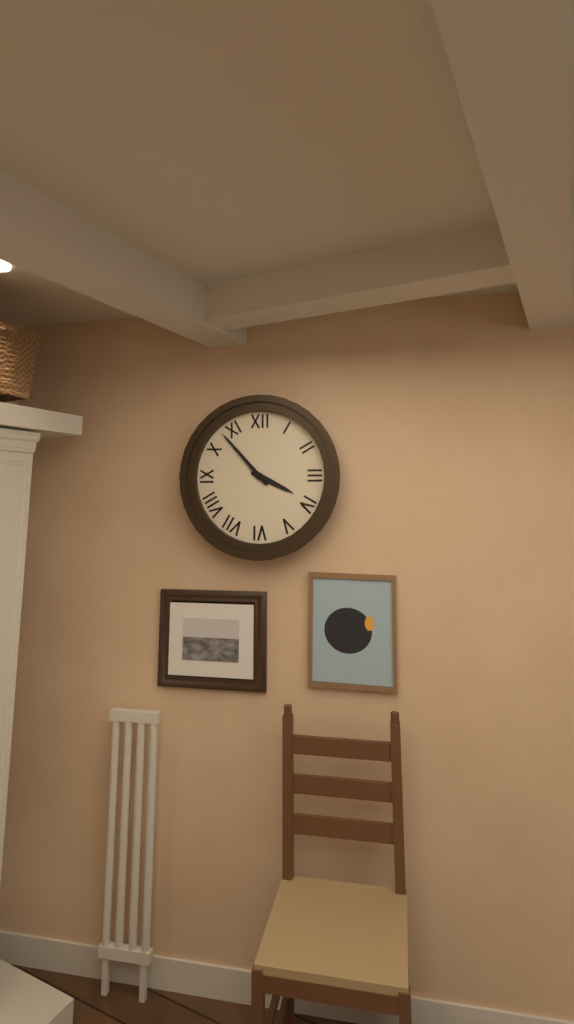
{"hour": 3, "minute": 53}
